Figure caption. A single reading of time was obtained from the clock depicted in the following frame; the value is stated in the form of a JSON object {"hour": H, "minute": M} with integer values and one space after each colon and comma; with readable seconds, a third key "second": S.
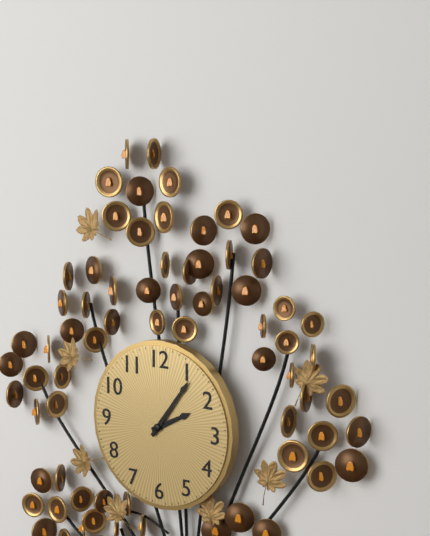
{"hour": 2, "minute": 6}
